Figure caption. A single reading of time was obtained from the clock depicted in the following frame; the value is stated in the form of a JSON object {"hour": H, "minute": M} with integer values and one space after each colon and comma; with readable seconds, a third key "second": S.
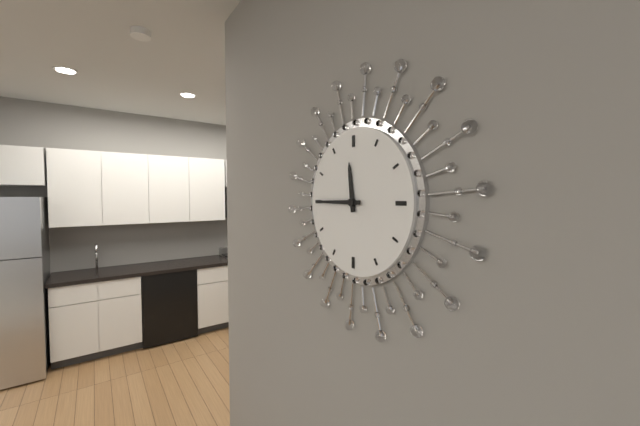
{"hour": 11, "minute": 45}
